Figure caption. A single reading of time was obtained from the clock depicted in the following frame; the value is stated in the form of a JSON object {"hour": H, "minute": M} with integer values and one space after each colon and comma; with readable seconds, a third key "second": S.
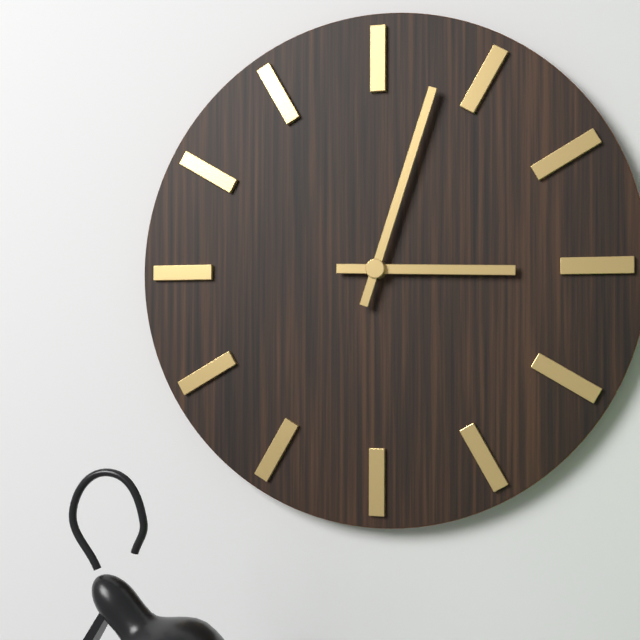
{"hour": 3, "minute": 3}
